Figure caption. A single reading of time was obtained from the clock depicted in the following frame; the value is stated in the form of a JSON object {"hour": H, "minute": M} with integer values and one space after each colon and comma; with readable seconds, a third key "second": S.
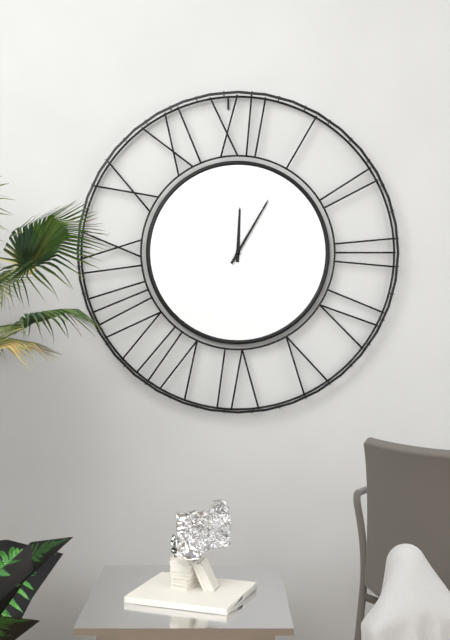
{"hour": 12, "minute": 5}
